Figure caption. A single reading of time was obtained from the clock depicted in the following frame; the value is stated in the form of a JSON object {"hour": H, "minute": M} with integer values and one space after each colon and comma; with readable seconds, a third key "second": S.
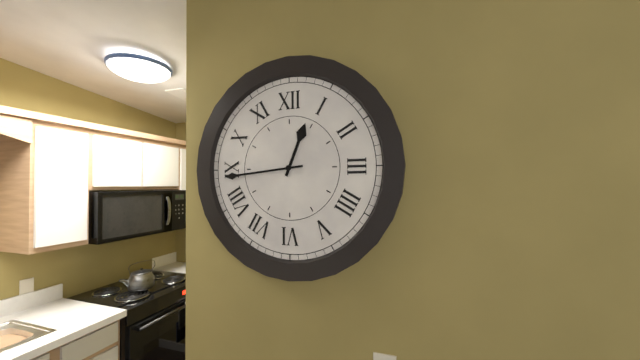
{"hour": 12, "minute": 44}
